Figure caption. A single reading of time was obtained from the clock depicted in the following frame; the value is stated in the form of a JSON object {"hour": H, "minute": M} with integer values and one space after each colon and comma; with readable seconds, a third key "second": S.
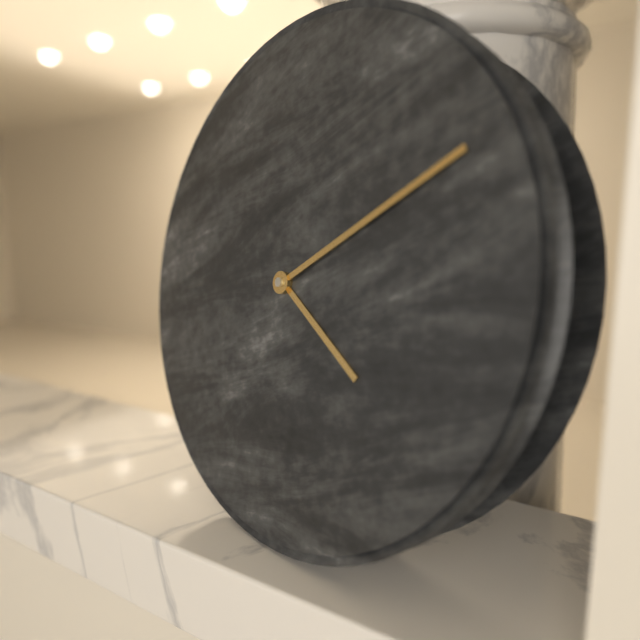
{"hour": 4, "minute": 10}
